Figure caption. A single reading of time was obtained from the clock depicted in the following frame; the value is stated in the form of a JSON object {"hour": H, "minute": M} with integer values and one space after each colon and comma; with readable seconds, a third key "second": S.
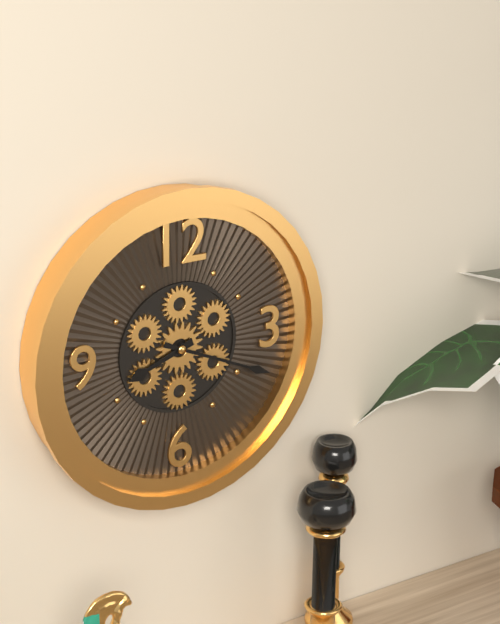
{"hour": 8, "minute": 19}
